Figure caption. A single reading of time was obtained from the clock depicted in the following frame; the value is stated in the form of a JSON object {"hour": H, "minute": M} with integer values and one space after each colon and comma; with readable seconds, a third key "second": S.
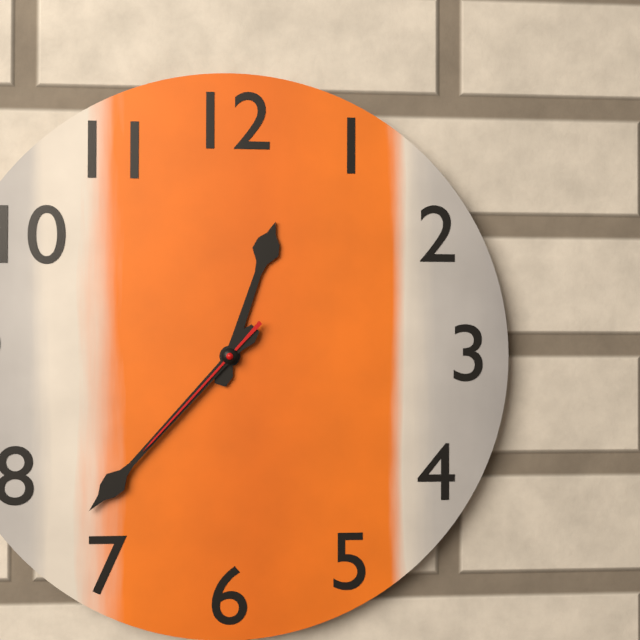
{"hour": 12, "minute": 37, "second": 37}
